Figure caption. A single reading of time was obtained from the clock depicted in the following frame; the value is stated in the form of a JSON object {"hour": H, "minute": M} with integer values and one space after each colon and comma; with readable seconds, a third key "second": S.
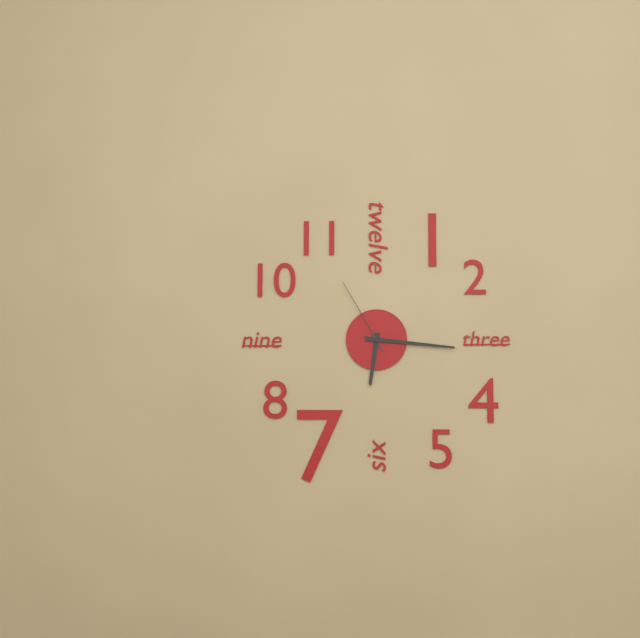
{"hour": 6, "minute": 16, "second": 55}
